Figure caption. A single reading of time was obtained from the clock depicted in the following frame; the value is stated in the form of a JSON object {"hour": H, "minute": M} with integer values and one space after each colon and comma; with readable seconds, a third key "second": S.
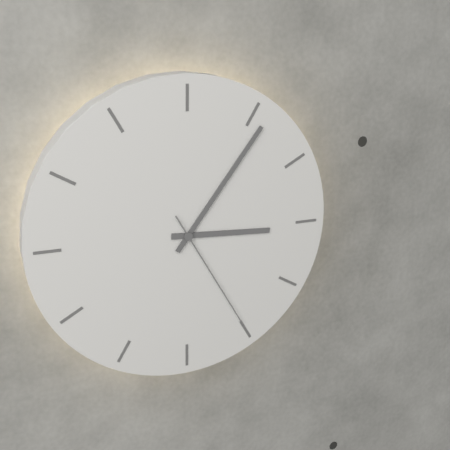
{"hour": 3, "minute": 6, "second": 25}
